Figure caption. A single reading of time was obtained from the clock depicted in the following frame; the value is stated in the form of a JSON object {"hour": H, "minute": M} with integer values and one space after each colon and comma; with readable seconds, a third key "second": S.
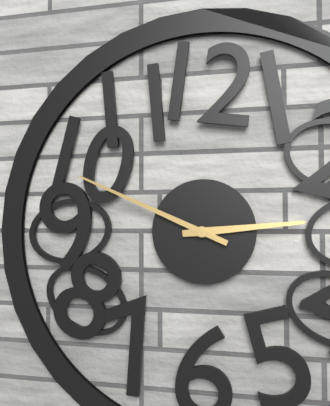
{"hour": 2, "minute": 49}
